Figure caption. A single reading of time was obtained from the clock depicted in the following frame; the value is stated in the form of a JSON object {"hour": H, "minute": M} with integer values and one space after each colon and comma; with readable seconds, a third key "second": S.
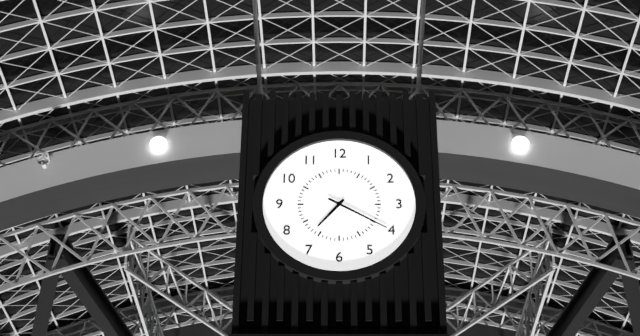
{"hour": 7, "minute": 20}
